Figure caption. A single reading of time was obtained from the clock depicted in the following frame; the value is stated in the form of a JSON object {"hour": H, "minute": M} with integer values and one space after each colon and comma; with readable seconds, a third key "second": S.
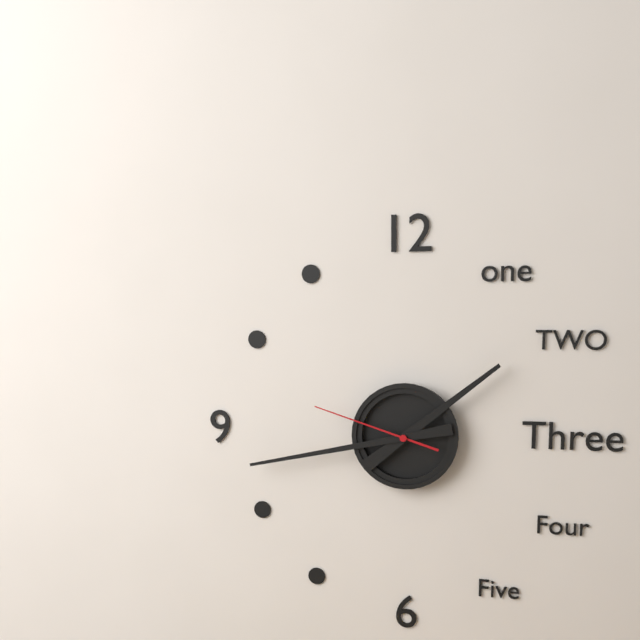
{"hour": 1, "minute": 43, "second": 48}
